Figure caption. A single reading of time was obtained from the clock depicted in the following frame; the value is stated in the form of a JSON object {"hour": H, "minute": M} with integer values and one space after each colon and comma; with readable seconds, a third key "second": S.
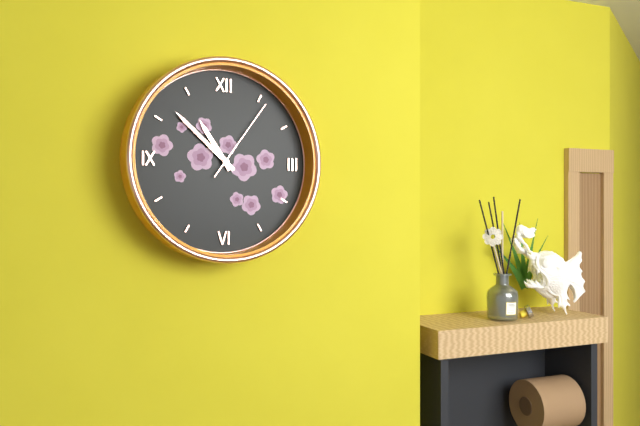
{"hour": 10, "minute": 52, "second": 6}
